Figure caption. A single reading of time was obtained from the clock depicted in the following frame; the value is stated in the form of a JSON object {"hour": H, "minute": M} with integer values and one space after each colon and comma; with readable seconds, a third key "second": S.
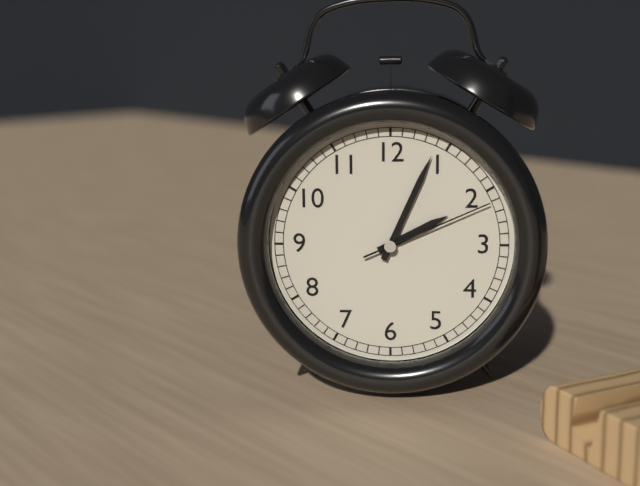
{"hour": 2, "minute": 4, "second": 11}
